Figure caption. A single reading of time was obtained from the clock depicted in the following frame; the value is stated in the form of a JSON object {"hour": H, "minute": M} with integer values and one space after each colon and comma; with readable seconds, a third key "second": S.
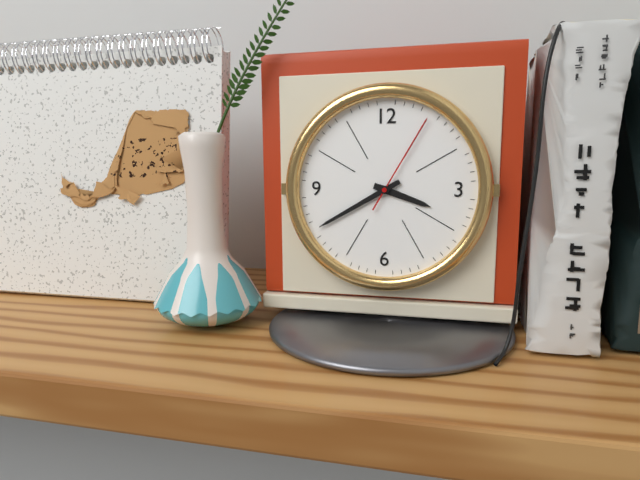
{"hour": 3, "minute": 40, "second": 5}
